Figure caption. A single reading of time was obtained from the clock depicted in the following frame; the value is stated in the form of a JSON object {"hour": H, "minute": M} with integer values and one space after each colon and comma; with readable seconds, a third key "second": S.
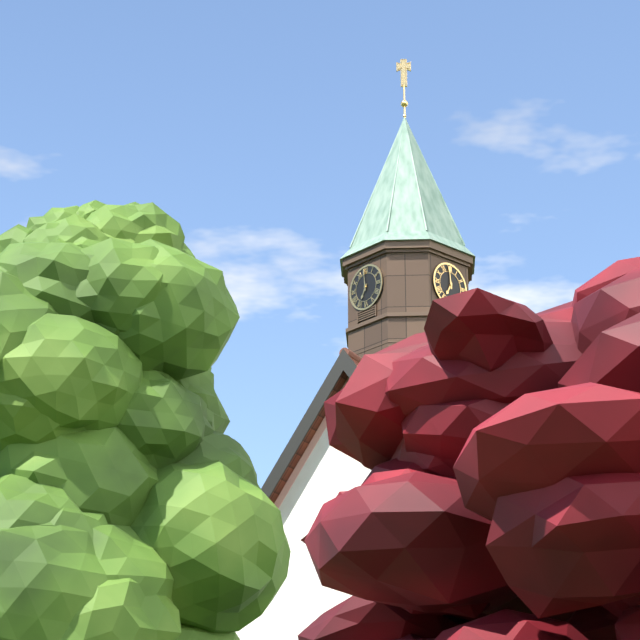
{"hour": 6, "minute": 59}
